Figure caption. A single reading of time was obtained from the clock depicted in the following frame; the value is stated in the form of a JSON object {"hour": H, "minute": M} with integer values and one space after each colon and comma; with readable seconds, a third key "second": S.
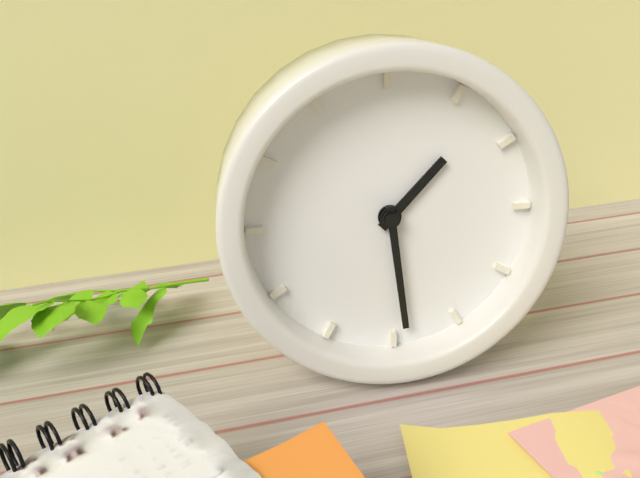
{"hour": 1, "minute": 29}
